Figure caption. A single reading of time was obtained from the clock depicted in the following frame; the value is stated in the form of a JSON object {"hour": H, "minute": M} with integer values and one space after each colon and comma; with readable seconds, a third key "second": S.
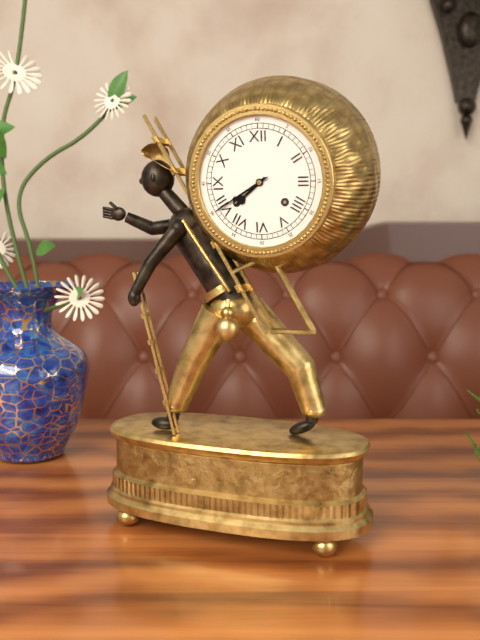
{"hour": 7, "minute": 40}
